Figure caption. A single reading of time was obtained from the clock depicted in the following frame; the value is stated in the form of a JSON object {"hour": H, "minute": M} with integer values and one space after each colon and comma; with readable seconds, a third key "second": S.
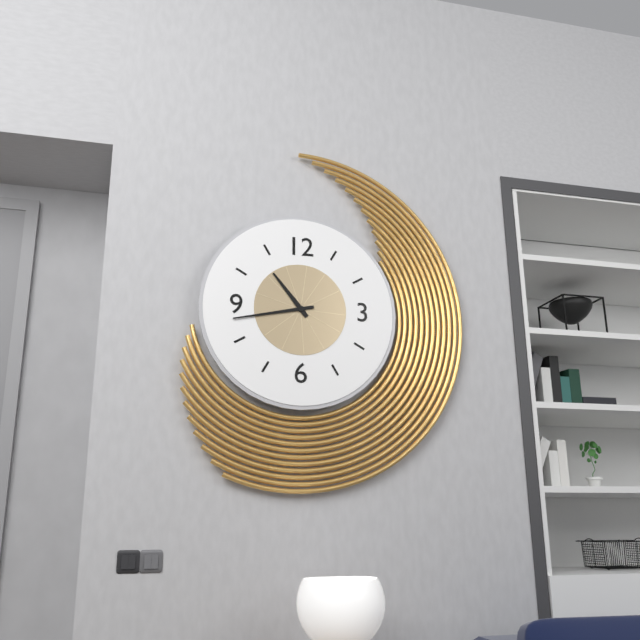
{"hour": 10, "minute": 43}
